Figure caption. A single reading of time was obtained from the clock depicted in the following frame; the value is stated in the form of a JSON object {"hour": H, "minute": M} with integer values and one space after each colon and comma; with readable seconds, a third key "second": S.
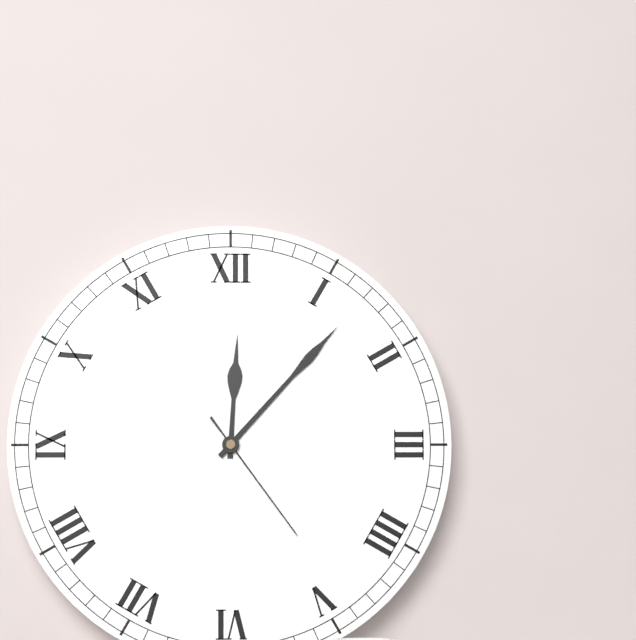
{"hour": 12, "minute": 7, "second": 24}
